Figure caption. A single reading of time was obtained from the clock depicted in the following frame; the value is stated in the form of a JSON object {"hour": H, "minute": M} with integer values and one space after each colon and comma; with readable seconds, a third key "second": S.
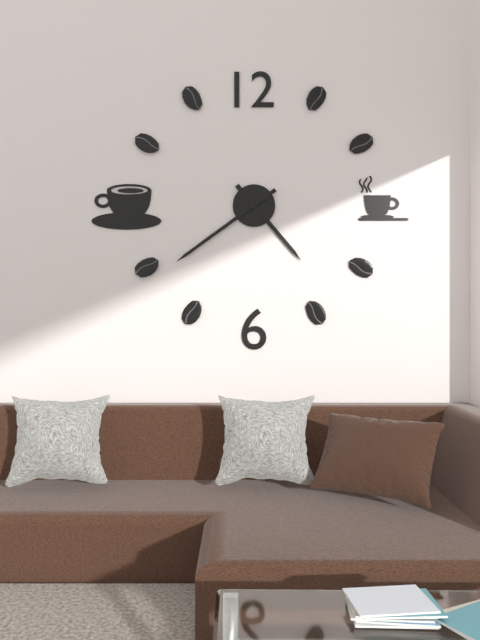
{"hour": 4, "minute": 39}
